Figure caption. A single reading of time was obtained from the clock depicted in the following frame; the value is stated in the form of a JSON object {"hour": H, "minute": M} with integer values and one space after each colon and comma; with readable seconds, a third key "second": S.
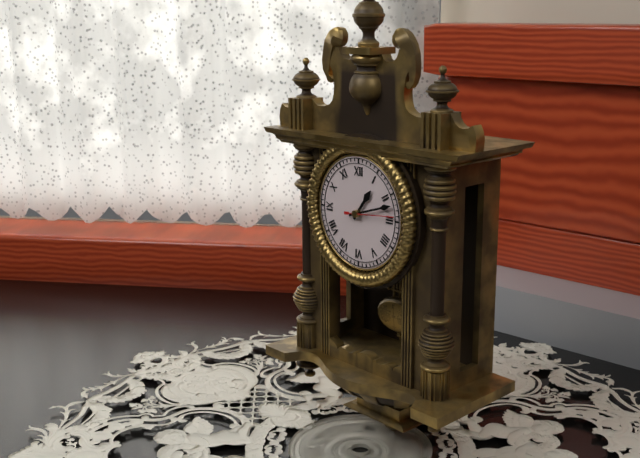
{"hour": 1, "minute": 12}
